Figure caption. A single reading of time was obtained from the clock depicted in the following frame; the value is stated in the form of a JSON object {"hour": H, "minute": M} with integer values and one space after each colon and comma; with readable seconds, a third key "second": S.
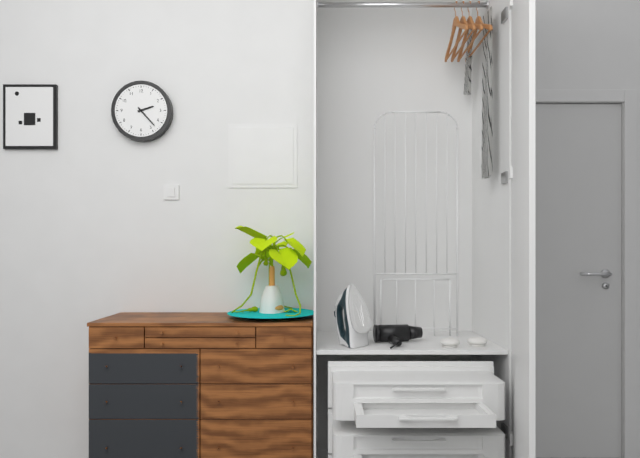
{"hour": 2, "minute": 23}
